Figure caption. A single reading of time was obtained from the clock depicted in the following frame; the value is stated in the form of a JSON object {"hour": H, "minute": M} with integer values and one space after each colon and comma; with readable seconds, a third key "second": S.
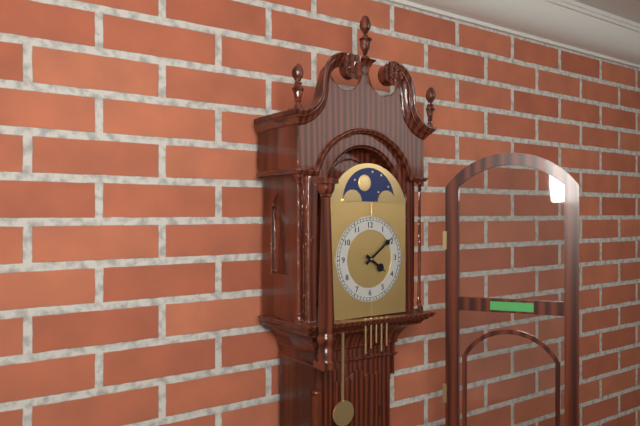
{"hour": 4, "minute": 9}
